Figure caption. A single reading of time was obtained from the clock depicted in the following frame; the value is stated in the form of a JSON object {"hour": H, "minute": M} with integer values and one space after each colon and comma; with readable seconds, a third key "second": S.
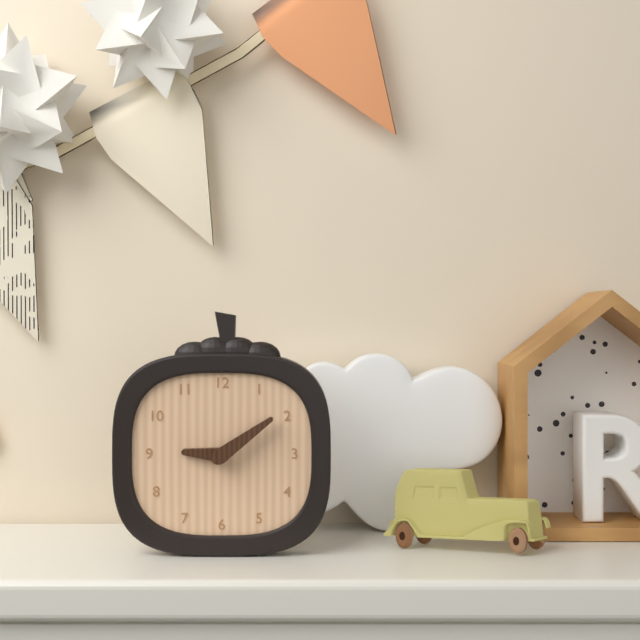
{"hour": 9, "minute": 9}
